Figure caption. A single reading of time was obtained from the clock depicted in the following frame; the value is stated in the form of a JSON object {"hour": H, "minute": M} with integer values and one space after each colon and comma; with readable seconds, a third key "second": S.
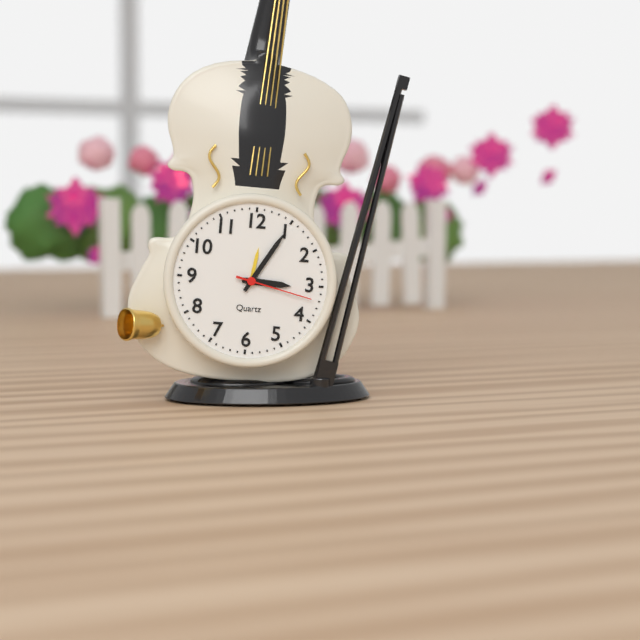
{"hour": 3, "minute": 5, "second": 17}
